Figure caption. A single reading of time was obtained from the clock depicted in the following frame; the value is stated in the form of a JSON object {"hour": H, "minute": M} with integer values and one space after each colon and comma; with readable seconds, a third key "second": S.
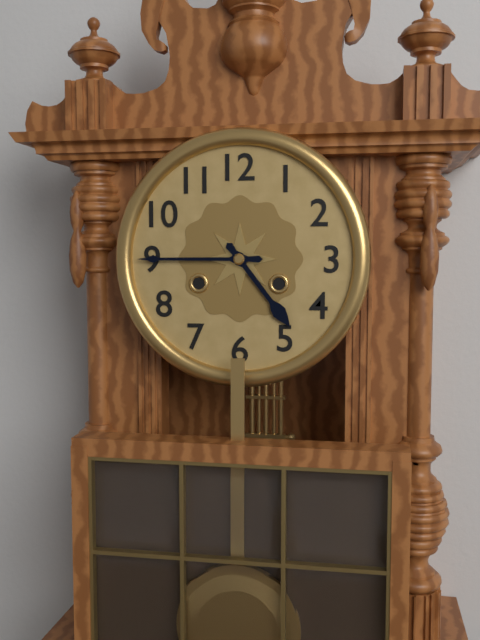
{"hour": 4, "minute": 45}
